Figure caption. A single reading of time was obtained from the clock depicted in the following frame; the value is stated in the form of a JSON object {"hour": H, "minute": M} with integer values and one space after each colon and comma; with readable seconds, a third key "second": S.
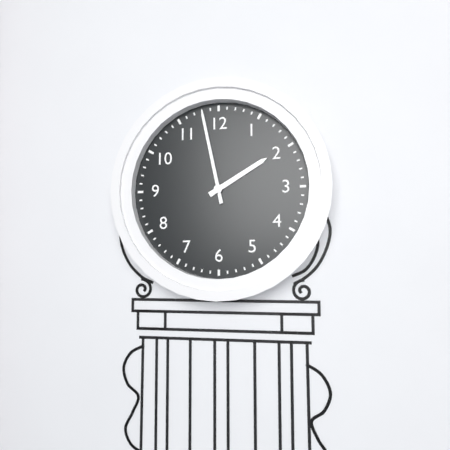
{"hour": 1, "minute": 58}
